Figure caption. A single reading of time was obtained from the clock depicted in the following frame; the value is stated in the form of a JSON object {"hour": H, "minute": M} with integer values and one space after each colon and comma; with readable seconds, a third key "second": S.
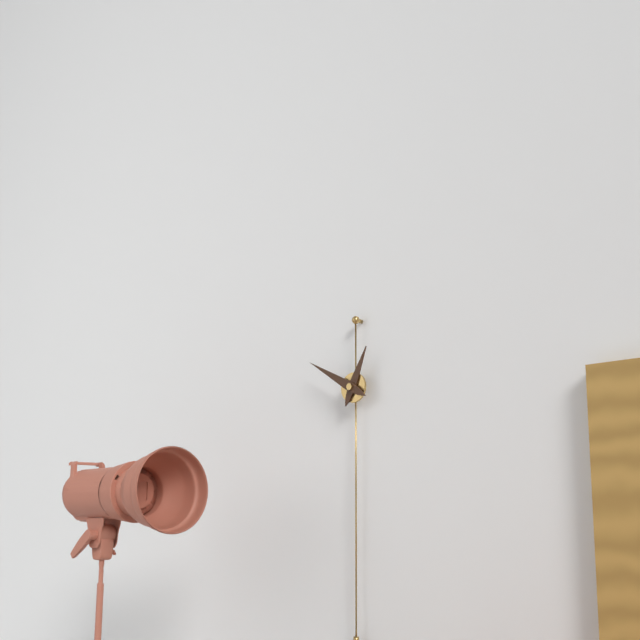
{"hour": 12, "minute": 50}
